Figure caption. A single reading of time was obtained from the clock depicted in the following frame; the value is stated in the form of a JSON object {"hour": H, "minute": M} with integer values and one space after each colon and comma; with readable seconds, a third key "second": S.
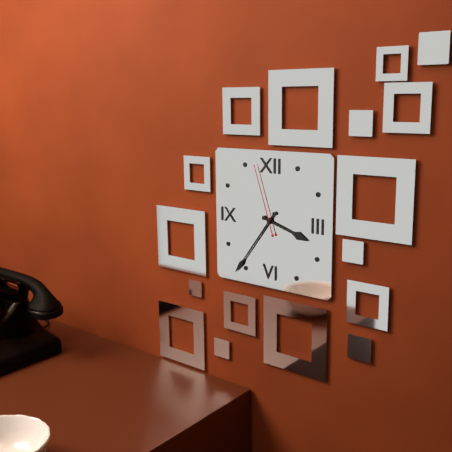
{"hour": 3, "minute": 36, "second": 57}
